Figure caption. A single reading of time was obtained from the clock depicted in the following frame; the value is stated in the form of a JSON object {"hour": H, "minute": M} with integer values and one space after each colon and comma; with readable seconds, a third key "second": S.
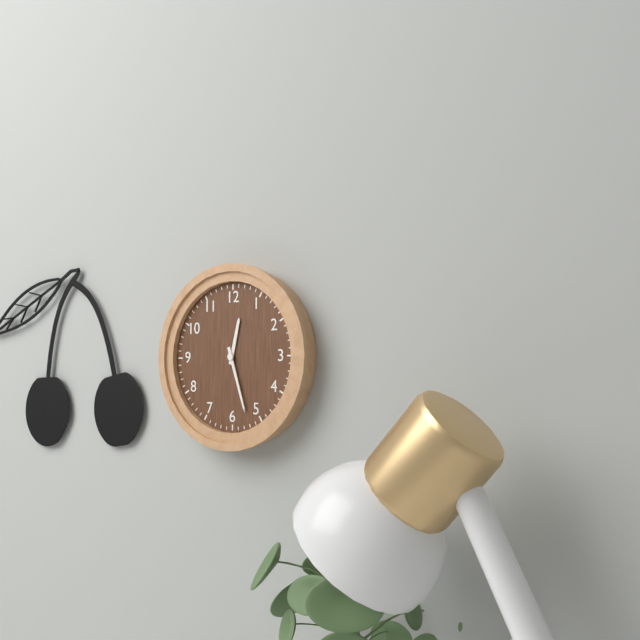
{"hour": 12, "minute": 27}
